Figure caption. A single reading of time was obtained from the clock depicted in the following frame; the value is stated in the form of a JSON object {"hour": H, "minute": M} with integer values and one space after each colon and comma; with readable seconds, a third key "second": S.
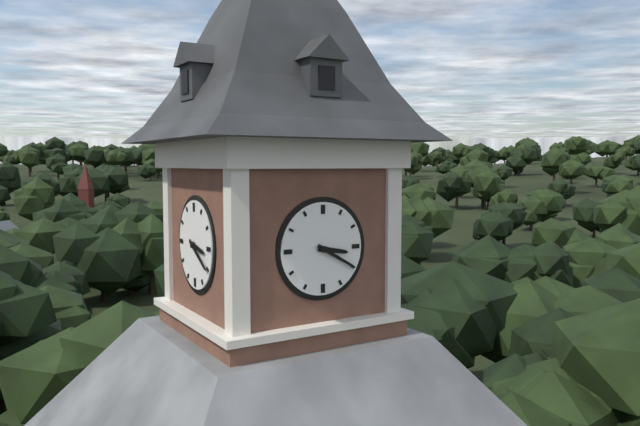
{"hour": 3, "minute": 20}
